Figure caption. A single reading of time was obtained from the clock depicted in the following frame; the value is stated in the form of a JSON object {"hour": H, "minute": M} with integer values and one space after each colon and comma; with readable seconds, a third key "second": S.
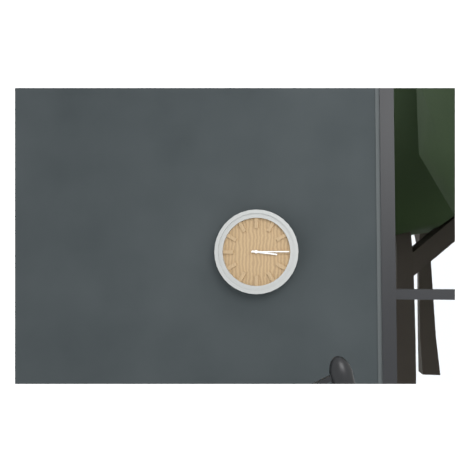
{"hour": 3, "minute": 15}
